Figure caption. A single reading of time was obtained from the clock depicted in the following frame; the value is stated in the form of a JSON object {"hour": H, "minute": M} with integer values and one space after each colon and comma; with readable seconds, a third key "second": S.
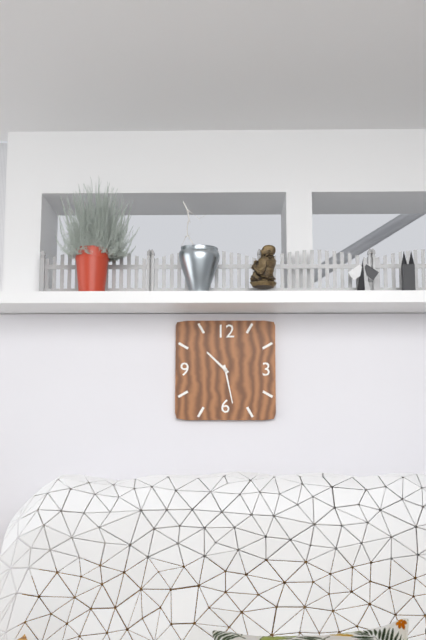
{"hour": 10, "minute": 28}
